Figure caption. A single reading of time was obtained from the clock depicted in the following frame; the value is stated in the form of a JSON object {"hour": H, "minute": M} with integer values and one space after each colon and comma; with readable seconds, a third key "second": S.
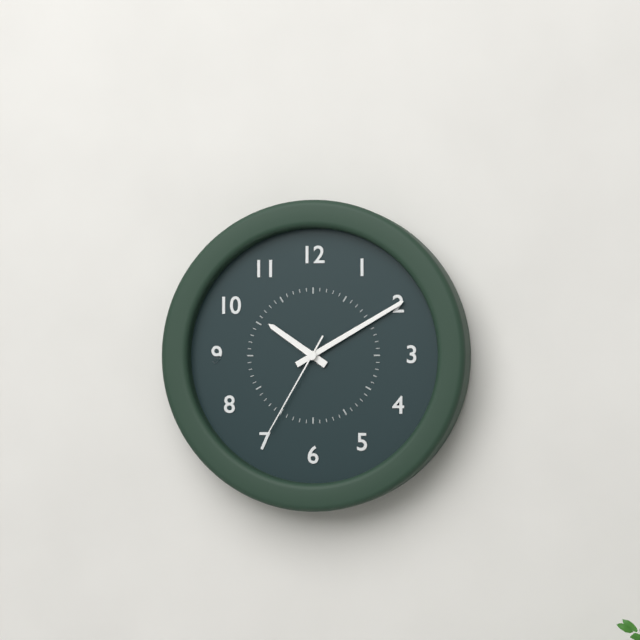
{"hour": 10, "minute": 10, "second": 35}
